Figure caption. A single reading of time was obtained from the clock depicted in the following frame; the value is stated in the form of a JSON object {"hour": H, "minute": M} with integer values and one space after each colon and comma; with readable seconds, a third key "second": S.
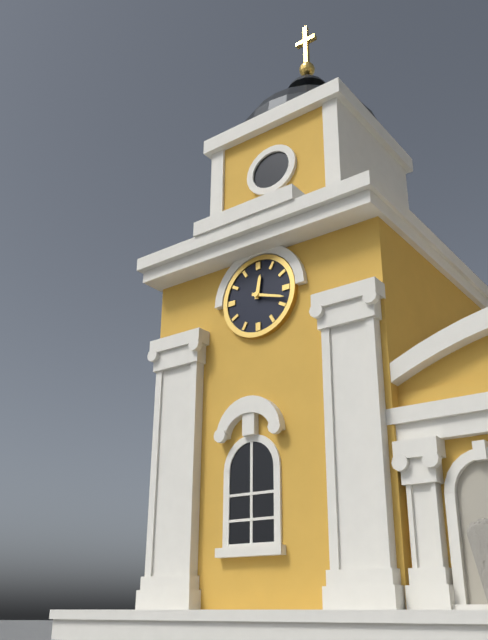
{"hour": 12, "minute": 18}
